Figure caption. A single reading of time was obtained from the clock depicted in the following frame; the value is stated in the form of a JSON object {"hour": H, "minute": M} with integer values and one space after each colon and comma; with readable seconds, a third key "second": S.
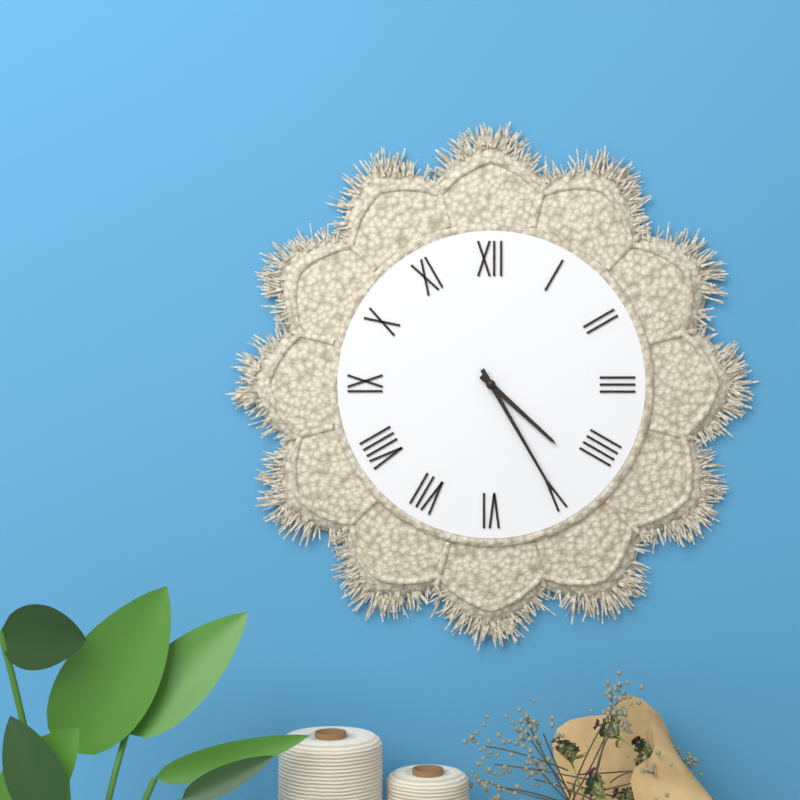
{"hour": 4, "minute": 25}
